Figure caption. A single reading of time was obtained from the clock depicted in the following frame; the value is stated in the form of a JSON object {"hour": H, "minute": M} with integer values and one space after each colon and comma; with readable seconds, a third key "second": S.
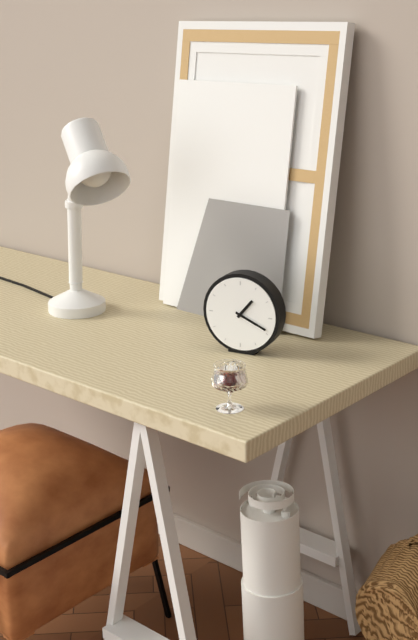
{"hour": 1, "minute": 19}
